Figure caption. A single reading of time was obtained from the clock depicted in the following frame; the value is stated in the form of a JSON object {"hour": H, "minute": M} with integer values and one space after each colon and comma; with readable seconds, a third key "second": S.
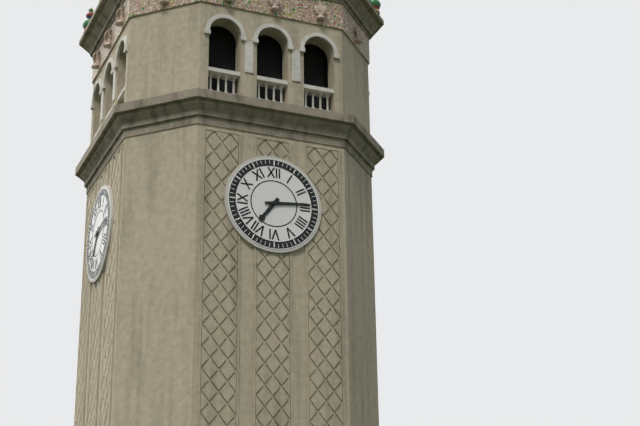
{"hour": 7, "minute": 14}
